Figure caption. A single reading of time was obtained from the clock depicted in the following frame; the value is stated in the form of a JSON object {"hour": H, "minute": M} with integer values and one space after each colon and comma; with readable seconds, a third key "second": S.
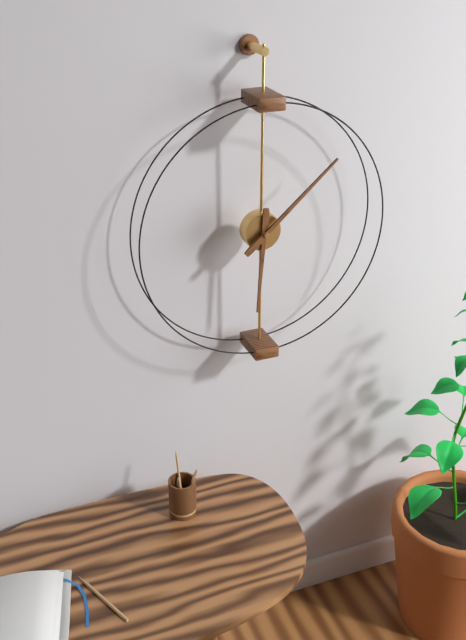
{"hour": 6, "minute": 8}
